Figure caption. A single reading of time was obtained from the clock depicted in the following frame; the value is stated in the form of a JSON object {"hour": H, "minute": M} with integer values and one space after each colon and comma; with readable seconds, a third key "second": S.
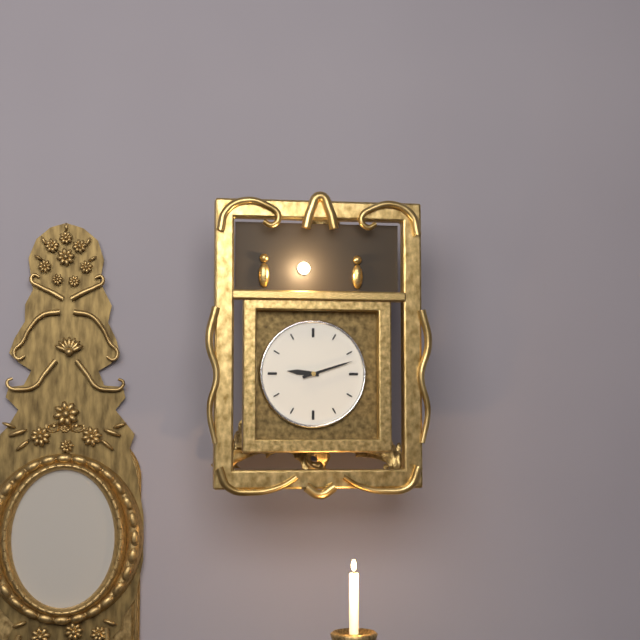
{"hour": 9, "minute": 12}
